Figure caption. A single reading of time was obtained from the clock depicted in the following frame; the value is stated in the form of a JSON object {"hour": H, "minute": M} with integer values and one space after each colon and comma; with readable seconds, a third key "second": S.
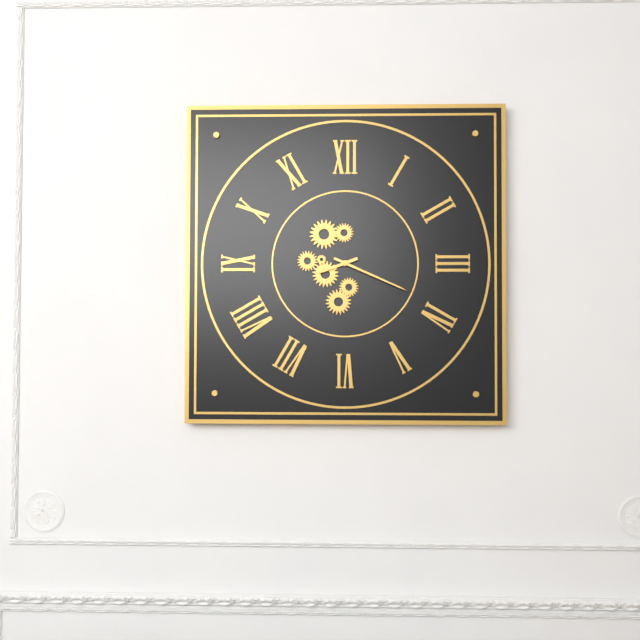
{"hour": 8, "minute": 19}
